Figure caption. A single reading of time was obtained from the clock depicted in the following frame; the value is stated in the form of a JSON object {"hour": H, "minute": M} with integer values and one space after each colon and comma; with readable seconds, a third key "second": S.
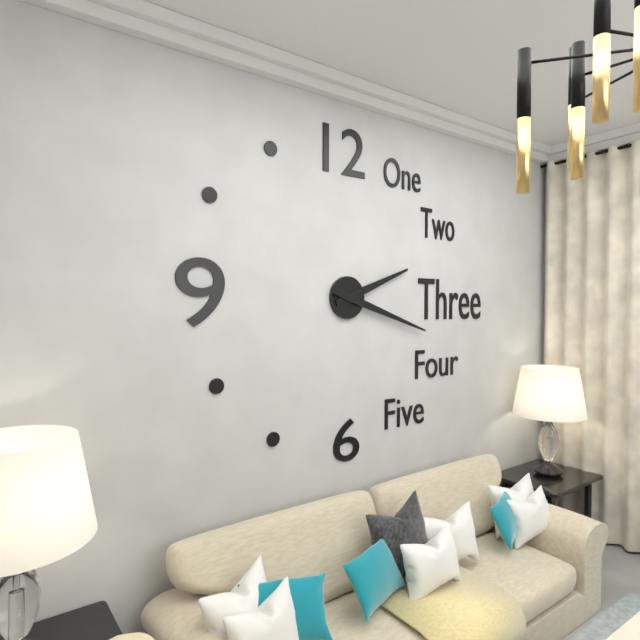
{"hour": 2, "minute": 18}
